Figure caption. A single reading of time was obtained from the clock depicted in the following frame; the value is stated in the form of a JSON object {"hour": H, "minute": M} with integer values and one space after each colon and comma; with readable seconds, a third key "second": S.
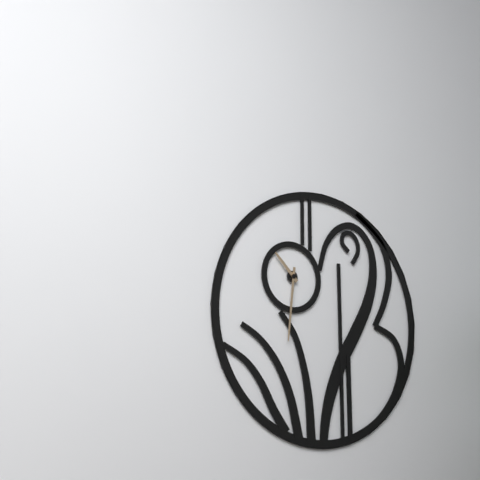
{"hour": 10, "minute": 31}
